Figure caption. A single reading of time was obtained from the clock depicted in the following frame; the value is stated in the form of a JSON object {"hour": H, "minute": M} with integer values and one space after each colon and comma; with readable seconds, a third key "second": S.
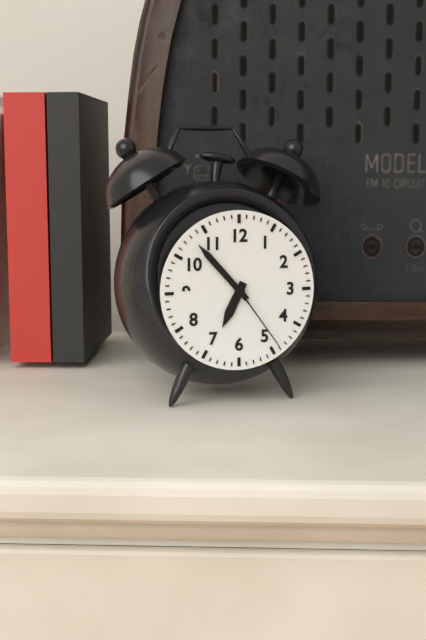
{"hour": 6, "minute": 53, "second": 24}
